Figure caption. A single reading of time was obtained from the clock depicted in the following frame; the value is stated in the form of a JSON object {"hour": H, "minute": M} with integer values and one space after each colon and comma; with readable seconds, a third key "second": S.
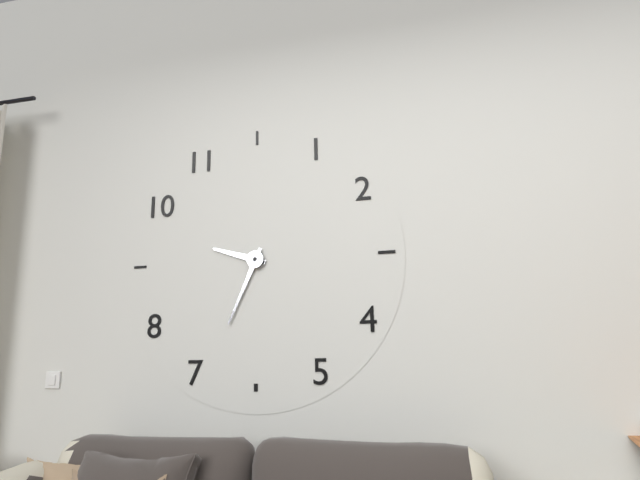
{"hour": 9, "minute": 34}
